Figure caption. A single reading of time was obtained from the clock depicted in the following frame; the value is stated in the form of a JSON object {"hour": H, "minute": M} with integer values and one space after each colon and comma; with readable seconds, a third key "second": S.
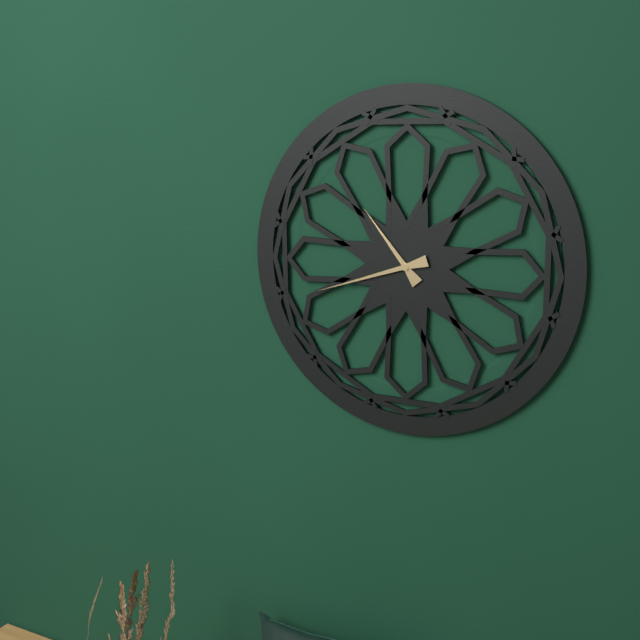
{"hour": 10, "minute": 42}
